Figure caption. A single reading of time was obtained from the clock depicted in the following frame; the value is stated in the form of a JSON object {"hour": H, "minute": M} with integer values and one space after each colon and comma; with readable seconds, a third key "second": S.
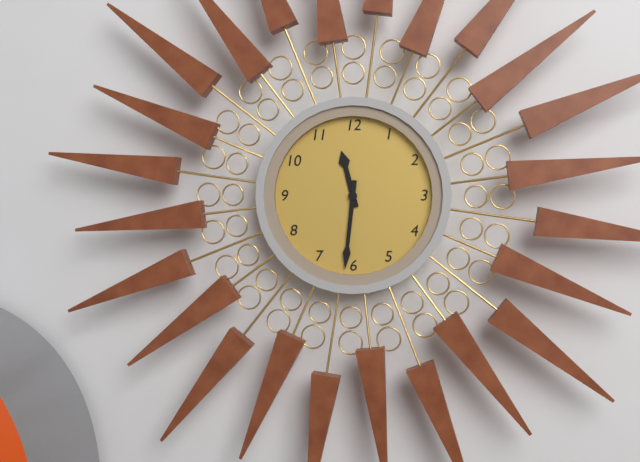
{"hour": 11, "minute": 31}
